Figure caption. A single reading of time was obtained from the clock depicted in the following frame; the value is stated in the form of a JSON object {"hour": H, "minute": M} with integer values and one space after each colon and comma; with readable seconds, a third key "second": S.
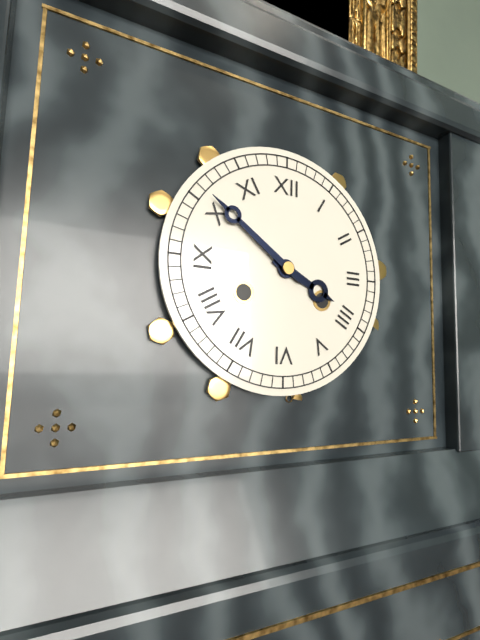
{"hour": 3, "minute": 51}
